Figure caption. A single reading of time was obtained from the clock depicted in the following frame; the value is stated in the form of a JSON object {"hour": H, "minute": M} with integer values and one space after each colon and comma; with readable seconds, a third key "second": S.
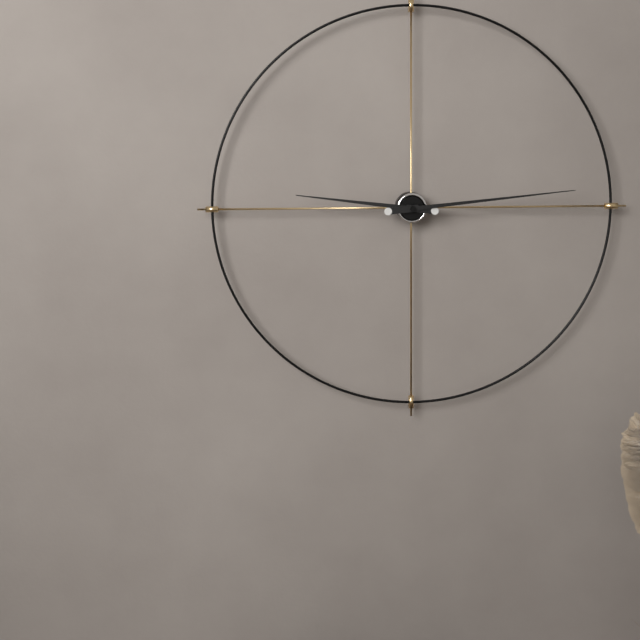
{"hour": 9, "minute": 14}
